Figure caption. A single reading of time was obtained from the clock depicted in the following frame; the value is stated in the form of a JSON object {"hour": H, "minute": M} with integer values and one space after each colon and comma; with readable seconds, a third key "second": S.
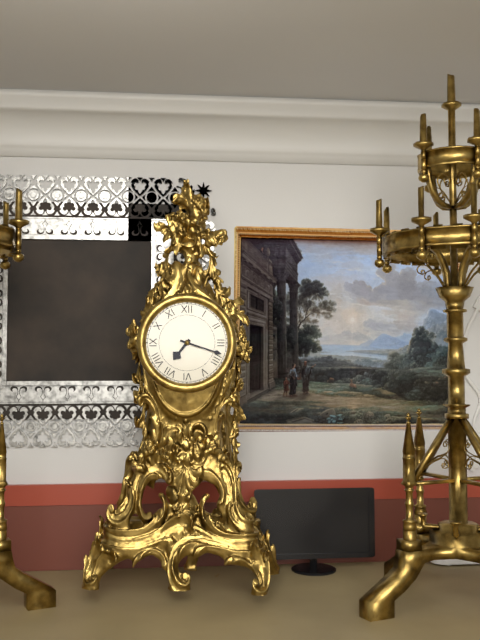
{"hour": 7, "minute": 18}
